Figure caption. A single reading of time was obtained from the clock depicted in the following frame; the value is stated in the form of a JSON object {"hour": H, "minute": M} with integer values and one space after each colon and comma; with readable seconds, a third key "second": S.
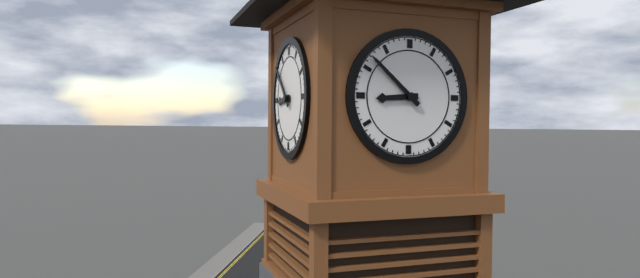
{"hour": 8, "minute": 52}
